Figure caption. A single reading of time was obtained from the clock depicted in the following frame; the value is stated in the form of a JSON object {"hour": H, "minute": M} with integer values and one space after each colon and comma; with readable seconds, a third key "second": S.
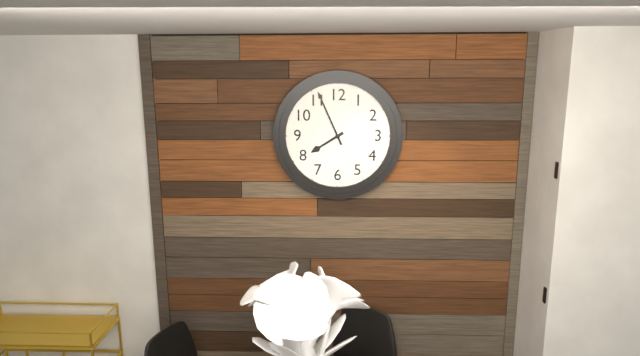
{"hour": 7, "minute": 56}
